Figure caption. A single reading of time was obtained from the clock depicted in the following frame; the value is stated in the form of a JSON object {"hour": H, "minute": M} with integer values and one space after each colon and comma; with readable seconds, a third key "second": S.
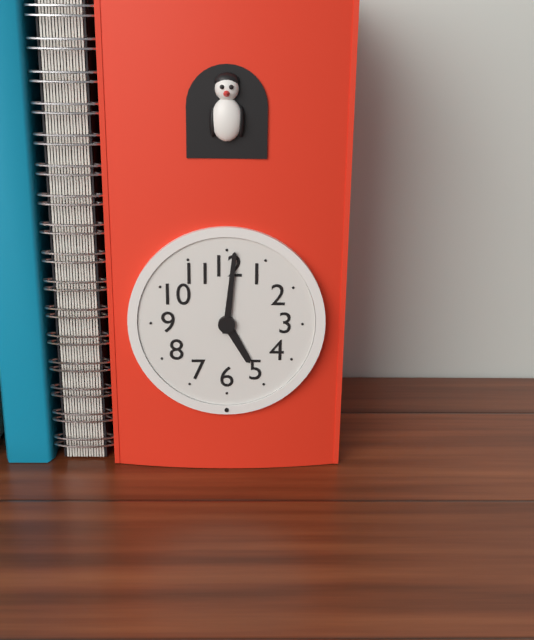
{"hour": 5, "minute": 1}
